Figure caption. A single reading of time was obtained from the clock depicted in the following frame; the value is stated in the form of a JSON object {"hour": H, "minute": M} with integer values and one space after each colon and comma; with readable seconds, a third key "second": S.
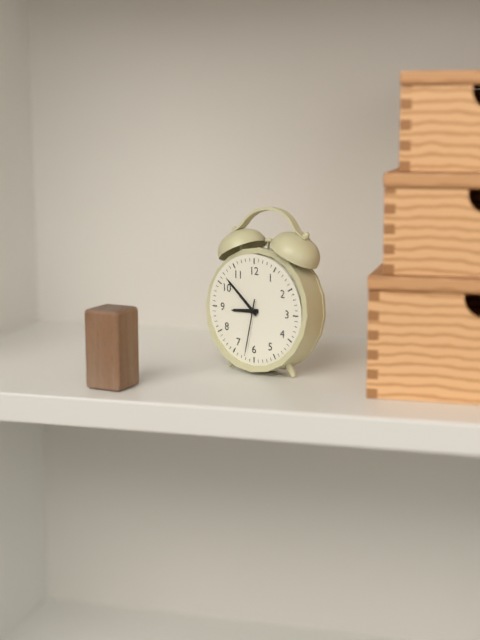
{"hour": 8, "minute": 52, "second": 32}
